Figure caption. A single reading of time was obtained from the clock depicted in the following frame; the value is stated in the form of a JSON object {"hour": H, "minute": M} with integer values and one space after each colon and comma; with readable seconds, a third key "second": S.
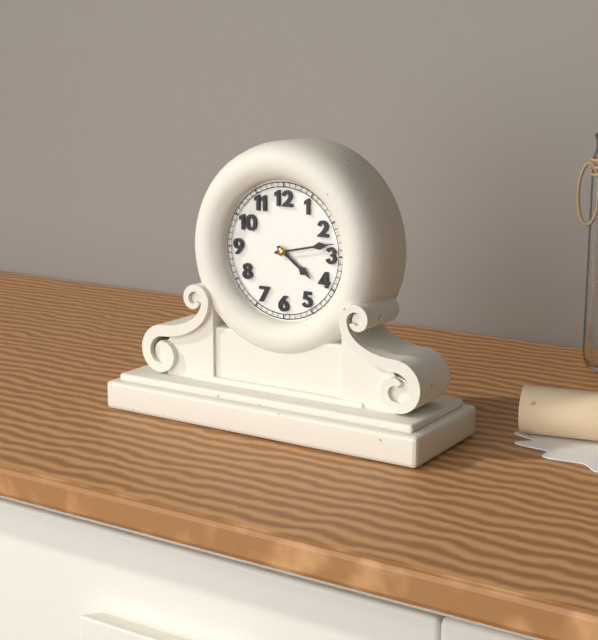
{"hour": 4, "minute": 13}
